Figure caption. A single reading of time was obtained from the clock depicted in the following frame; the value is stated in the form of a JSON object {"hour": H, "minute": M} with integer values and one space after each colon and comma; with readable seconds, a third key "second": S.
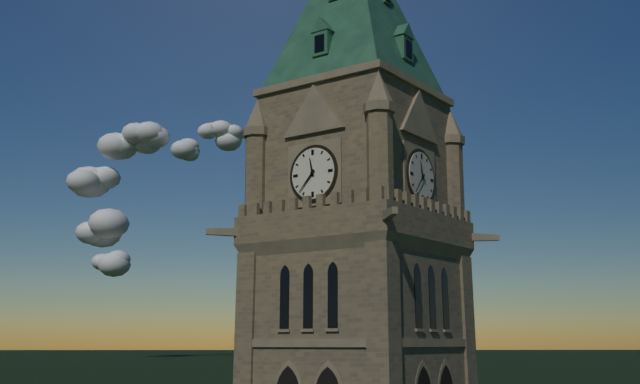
{"hour": 11, "minute": 37}
